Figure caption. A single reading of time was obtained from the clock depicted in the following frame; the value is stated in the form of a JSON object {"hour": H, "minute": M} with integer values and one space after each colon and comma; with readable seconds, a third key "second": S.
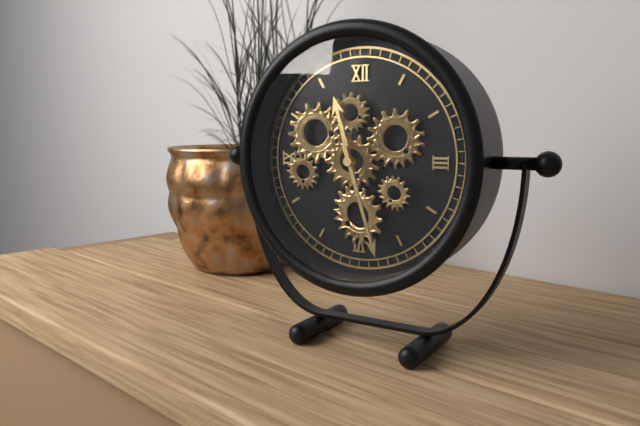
{"hour": 11, "minute": 27}
